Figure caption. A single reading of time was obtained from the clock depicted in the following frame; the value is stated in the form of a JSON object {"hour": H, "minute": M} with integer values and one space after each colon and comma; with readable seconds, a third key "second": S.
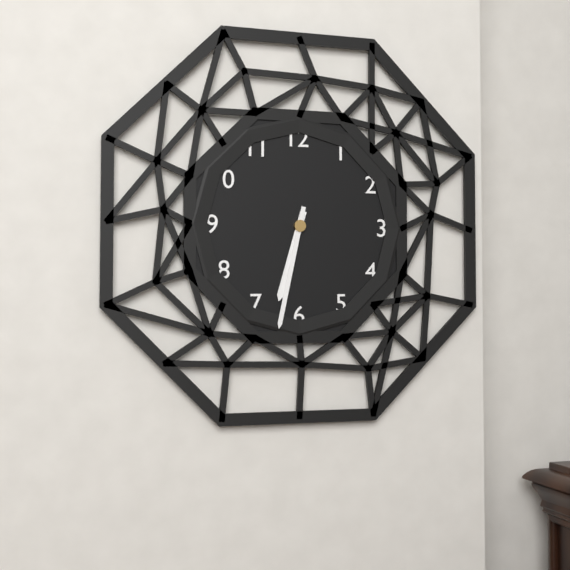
{"hour": 6, "minute": 32}
